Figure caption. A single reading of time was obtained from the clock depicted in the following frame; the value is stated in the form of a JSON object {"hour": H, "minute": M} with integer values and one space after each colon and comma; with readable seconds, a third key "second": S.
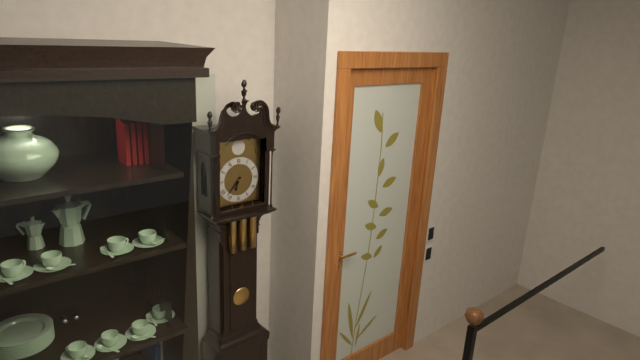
{"hour": 6, "minute": 37}
